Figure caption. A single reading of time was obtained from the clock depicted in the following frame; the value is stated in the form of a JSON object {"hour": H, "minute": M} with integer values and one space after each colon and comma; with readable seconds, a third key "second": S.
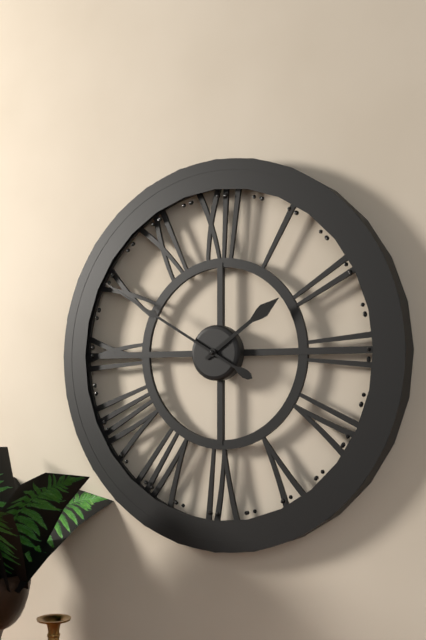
{"hour": 1, "minute": 50}
